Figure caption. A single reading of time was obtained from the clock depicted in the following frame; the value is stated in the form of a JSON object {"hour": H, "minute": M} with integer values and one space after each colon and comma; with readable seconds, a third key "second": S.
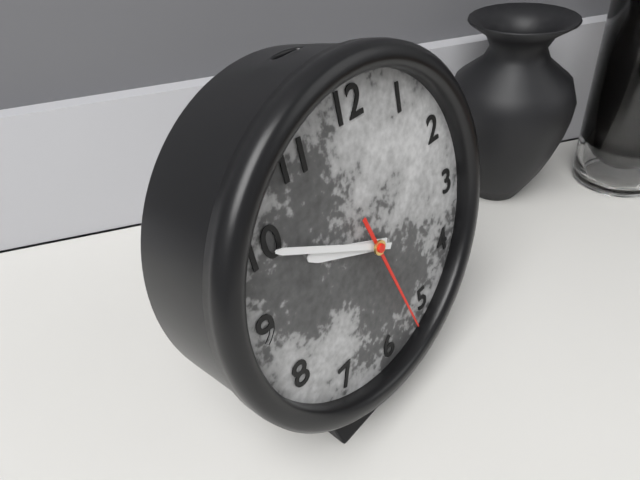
{"hour": 9, "minute": 50, "second": 27}
